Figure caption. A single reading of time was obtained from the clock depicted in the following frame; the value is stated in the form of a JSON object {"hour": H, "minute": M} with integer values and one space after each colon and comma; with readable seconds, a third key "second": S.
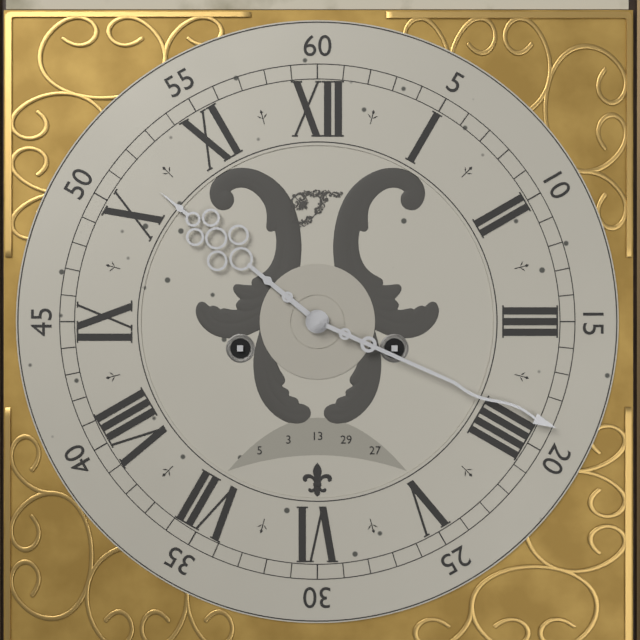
{"hour": 10, "minute": 19}
